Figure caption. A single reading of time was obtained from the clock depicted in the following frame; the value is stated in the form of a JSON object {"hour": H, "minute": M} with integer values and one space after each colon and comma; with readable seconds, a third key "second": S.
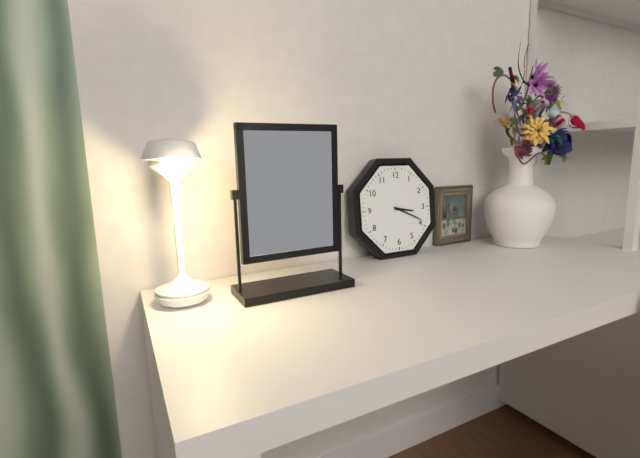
{"hour": 3, "minute": 19}
